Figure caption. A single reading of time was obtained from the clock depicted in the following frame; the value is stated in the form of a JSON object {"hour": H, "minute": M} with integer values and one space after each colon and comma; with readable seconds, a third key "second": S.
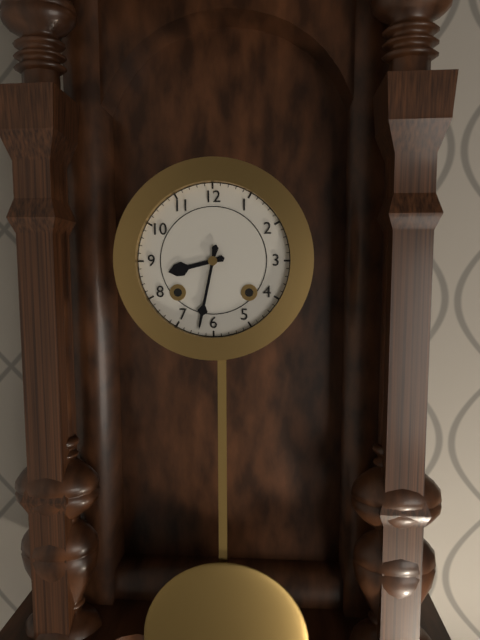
{"hour": 8, "minute": 32}
